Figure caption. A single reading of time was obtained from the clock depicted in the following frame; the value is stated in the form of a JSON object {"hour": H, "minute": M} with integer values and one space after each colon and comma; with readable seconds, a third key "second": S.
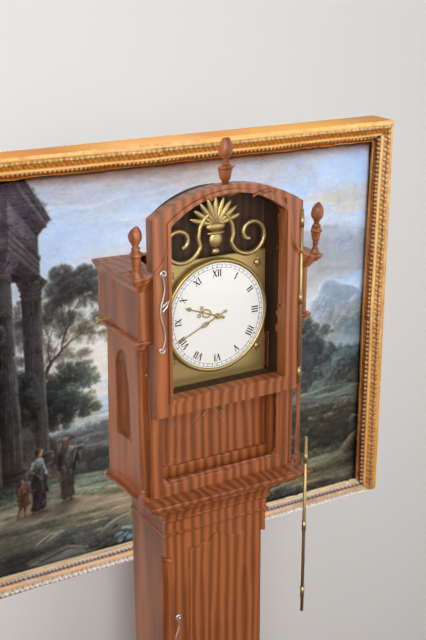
{"hour": 9, "minute": 41}
